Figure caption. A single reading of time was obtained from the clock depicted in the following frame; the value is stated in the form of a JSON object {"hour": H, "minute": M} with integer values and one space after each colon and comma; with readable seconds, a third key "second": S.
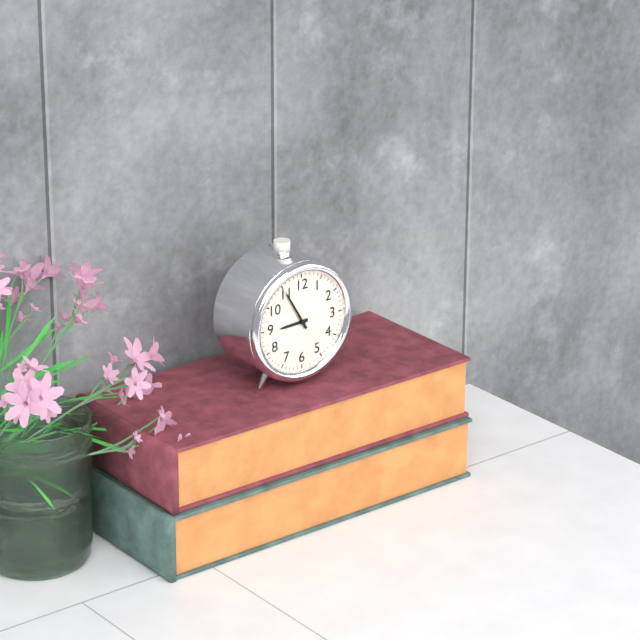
{"hour": 8, "minute": 55}
